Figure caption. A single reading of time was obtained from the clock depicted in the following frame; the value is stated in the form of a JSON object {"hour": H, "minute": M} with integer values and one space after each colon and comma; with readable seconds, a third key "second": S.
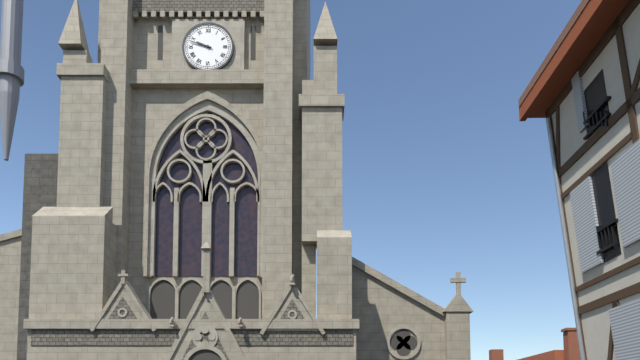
{"hour": 9, "minute": 48}
